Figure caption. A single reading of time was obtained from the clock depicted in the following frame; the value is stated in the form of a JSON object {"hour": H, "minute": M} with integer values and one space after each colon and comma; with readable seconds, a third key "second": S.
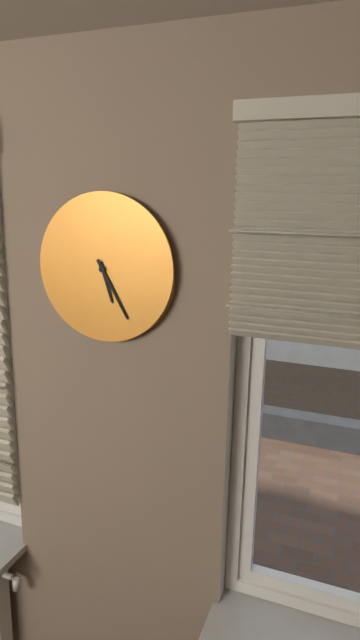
{"hour": 5, "minute": 25}
